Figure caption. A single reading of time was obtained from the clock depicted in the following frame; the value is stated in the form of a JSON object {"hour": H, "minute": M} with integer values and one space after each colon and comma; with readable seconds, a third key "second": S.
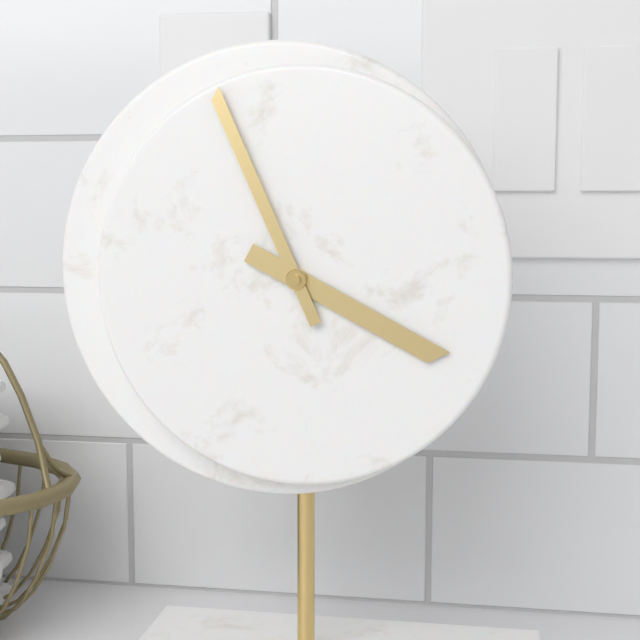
{"hour": 3, "minute": 56}
